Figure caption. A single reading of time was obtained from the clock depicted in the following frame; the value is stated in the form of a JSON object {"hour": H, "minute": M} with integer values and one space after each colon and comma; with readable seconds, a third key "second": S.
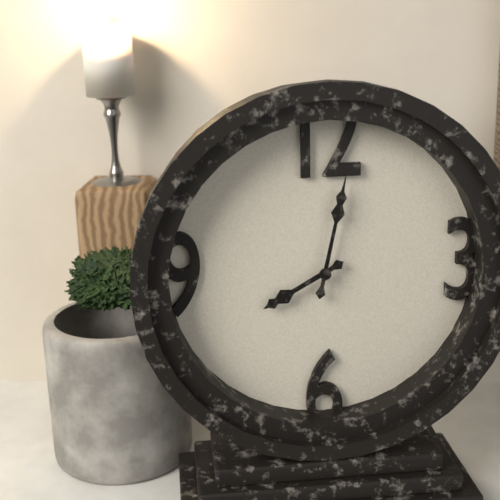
{"hour": 8, "minute": 2}
